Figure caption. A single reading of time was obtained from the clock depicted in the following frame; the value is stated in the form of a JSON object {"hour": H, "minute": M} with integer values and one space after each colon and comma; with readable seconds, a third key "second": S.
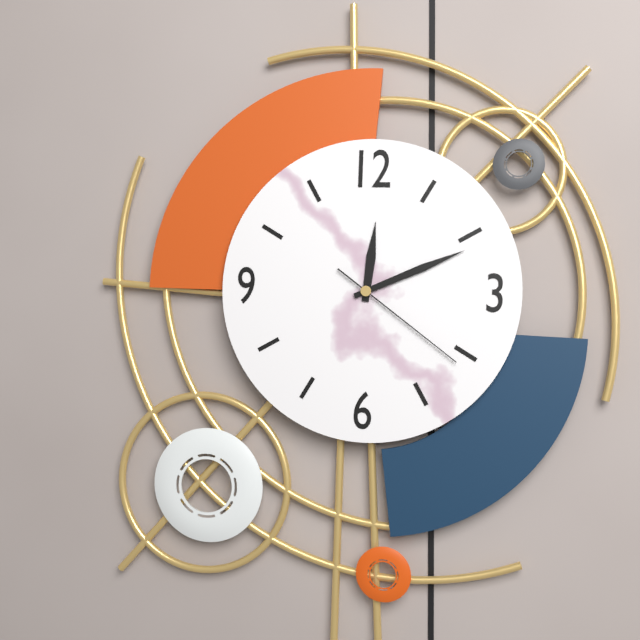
{"hour": 12, "minute": 11, "second": 21}
